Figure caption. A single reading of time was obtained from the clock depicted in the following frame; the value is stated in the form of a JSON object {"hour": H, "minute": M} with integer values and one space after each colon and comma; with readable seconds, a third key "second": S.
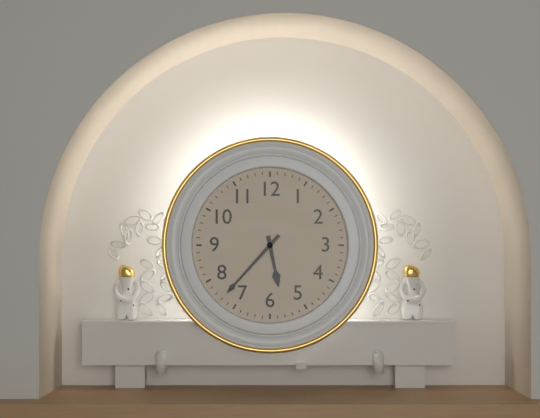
{"hour": 5, "minute": 37}
